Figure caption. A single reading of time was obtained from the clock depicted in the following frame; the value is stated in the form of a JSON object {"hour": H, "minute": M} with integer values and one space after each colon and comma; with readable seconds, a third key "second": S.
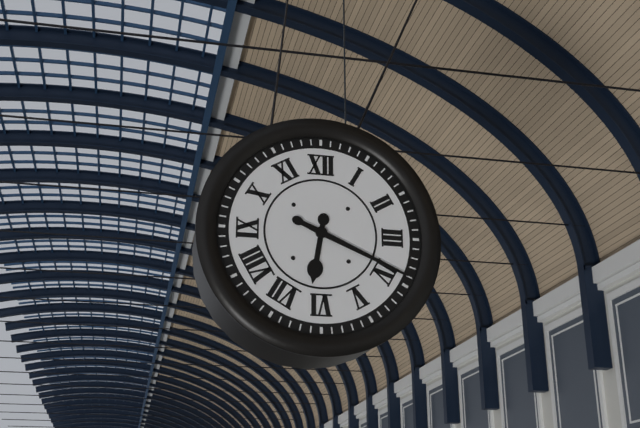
{"hour": 6, "minute": 19}
